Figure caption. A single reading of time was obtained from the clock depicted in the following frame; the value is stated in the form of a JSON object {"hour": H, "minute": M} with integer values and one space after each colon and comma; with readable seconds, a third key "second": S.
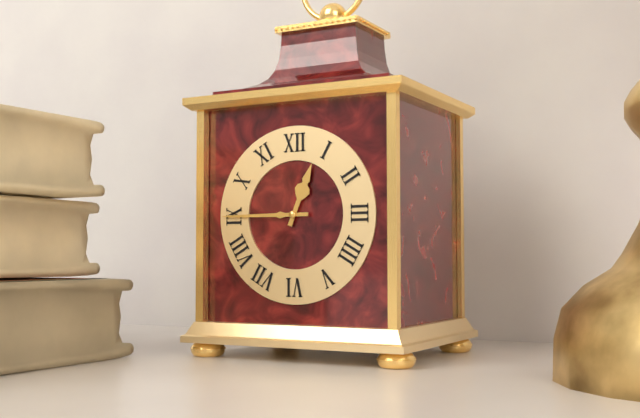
{"hour": 12, "minute": 45}
